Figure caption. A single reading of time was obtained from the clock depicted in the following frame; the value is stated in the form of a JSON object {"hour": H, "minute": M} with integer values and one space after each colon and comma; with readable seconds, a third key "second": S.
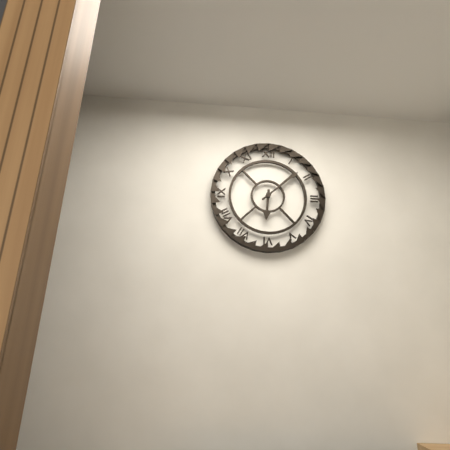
{"hour": 6, "minute": 8}
